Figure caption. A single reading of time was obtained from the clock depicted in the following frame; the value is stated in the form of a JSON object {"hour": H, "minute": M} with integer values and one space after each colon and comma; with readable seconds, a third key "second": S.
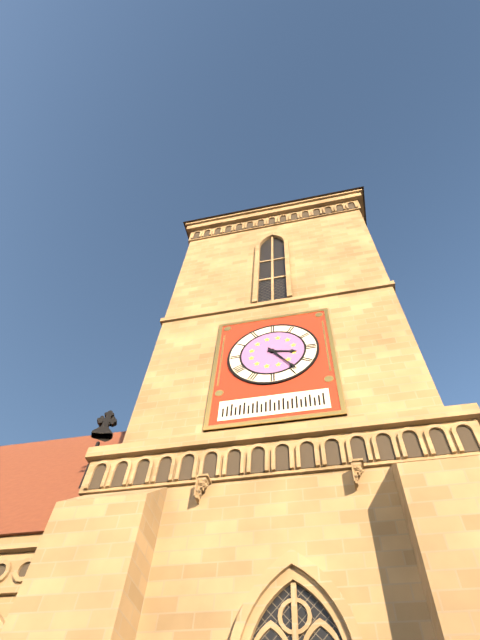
{"hour": 3, "minute": 24}
